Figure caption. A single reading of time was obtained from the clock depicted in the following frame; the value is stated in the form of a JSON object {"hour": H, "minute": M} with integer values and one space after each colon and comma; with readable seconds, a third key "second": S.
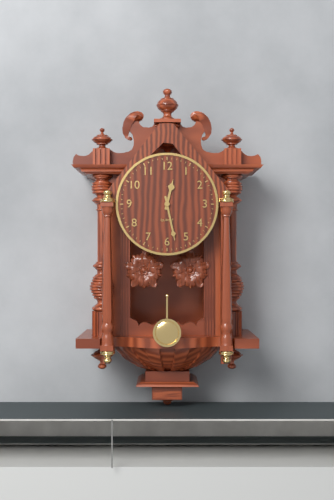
{"hour": 12, "minute": 28}
